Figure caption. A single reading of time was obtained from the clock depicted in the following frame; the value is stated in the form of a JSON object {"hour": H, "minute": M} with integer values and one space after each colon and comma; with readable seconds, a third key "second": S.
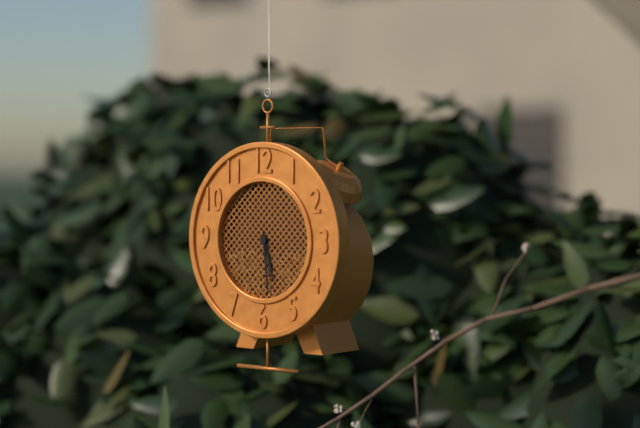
{"hour": 5, "minute": 29}
